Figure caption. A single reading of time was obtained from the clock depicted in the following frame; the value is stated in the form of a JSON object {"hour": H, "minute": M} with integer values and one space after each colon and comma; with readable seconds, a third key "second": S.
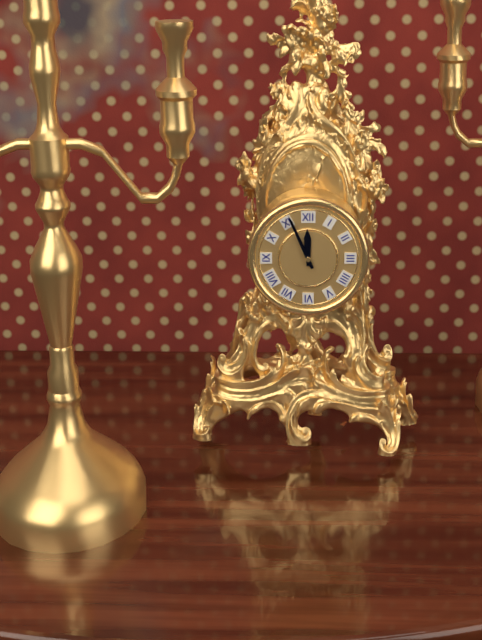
{"hour": 11, "minute": 56}
